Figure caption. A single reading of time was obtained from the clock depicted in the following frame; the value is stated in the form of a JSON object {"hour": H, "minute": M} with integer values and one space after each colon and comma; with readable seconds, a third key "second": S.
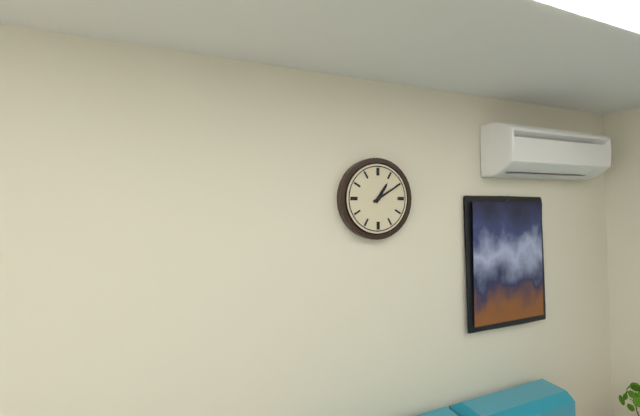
{"hour": 1, "minute": 10}
